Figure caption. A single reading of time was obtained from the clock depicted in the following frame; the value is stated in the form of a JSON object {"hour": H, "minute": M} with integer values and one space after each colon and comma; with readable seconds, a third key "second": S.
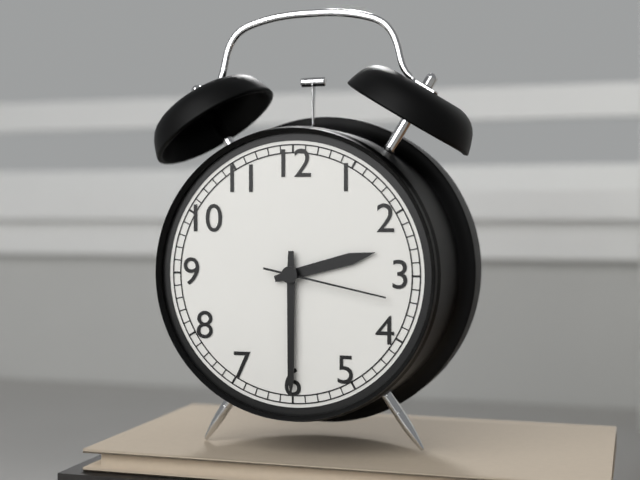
{"hour": 2, "minute": 30, "second": 17}
